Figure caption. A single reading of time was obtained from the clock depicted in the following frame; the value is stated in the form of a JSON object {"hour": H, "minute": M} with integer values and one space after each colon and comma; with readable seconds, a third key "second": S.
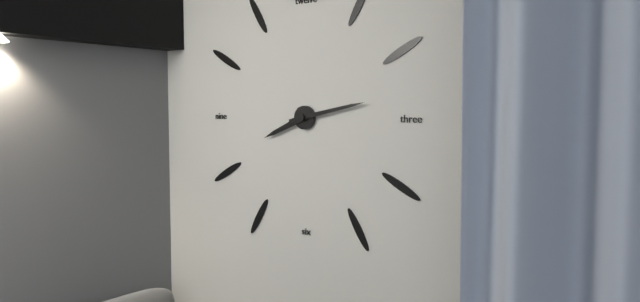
{"hour": 8, "minute": 13}
